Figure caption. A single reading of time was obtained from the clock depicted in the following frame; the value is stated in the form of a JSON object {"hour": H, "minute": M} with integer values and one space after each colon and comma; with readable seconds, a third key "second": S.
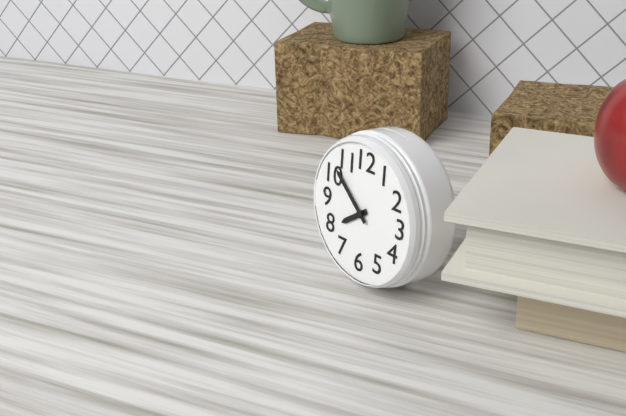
{"hour": 7, "minute": 52}
